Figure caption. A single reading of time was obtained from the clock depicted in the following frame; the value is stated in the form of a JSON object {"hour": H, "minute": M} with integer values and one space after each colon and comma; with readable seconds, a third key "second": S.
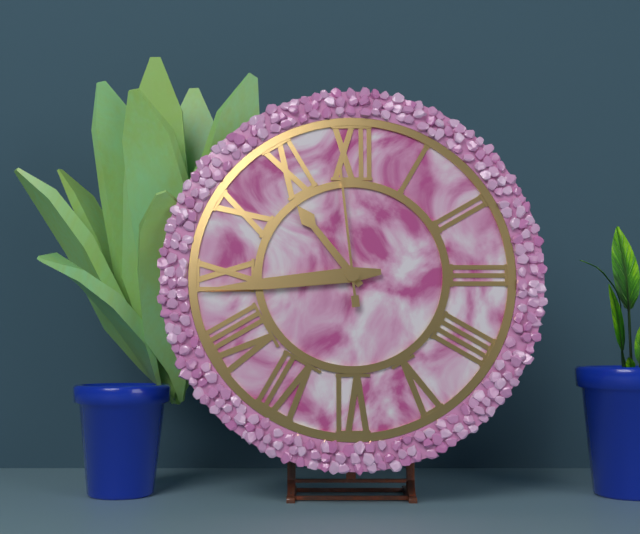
{"hour": 10, "minute": 44, "second": 59}
